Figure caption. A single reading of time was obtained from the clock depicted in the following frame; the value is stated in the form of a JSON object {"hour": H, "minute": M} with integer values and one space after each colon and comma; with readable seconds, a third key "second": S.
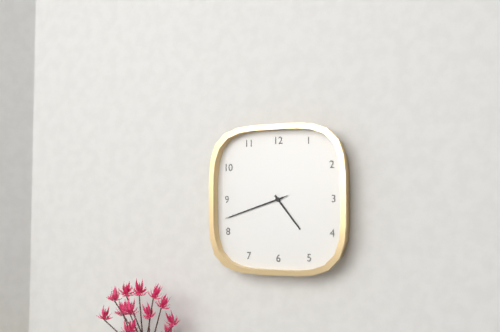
{"hour": 4, "minute": 42, "second": 42}
